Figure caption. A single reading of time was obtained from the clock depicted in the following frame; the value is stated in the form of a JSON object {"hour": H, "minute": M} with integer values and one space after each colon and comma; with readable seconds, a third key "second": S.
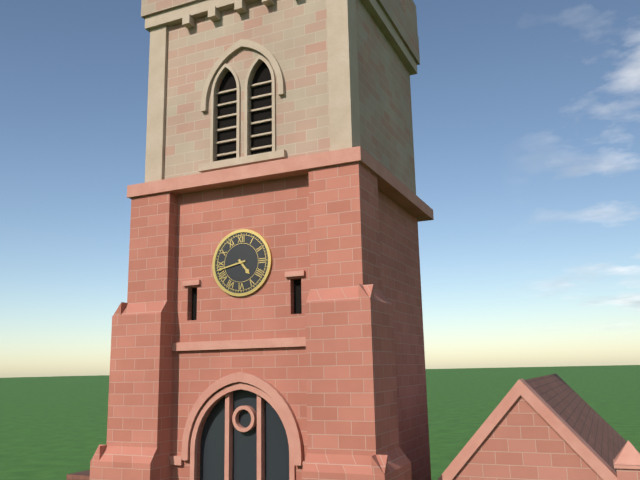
{"hour": 4, "minute": 43}
